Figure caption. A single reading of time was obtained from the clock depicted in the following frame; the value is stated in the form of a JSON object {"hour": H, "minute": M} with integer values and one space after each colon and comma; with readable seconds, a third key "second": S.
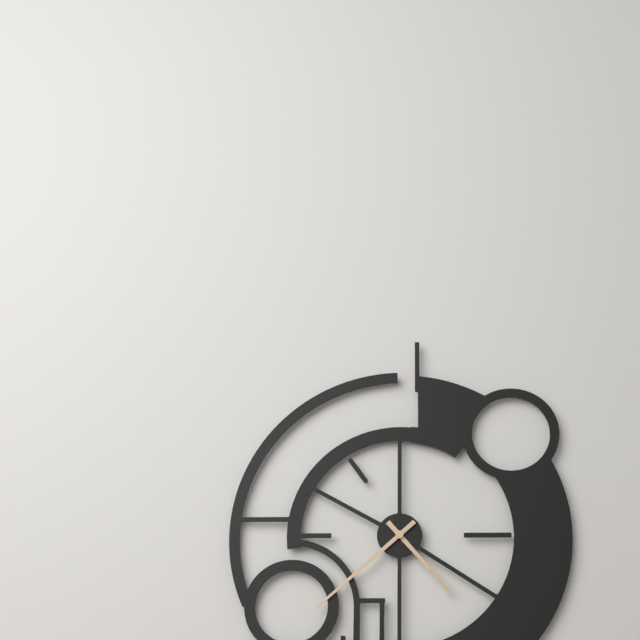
{"hour": 4, "minute": 38}
